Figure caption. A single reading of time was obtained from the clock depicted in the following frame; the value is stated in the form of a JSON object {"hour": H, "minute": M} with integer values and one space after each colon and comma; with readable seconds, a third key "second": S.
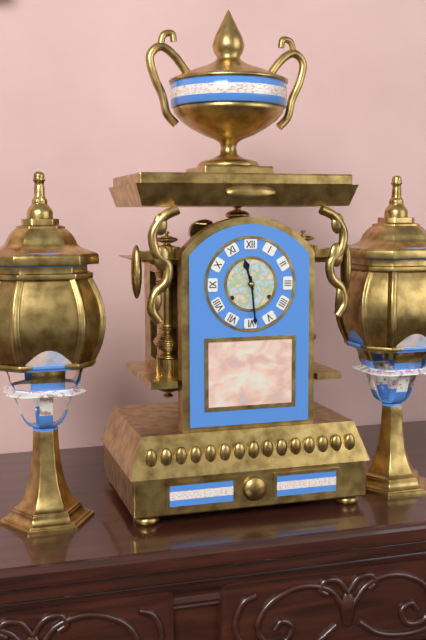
{"hour": 11, "minute": 29}
